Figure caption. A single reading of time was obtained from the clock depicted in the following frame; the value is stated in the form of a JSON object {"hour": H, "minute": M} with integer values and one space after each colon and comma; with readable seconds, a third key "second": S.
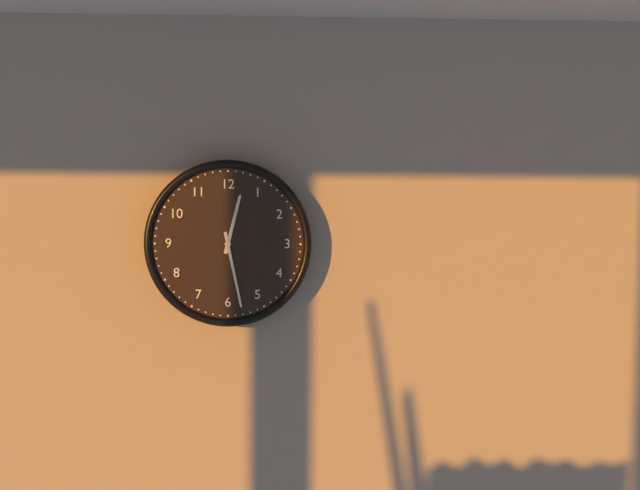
{"hour": 12, "minute": 28}
